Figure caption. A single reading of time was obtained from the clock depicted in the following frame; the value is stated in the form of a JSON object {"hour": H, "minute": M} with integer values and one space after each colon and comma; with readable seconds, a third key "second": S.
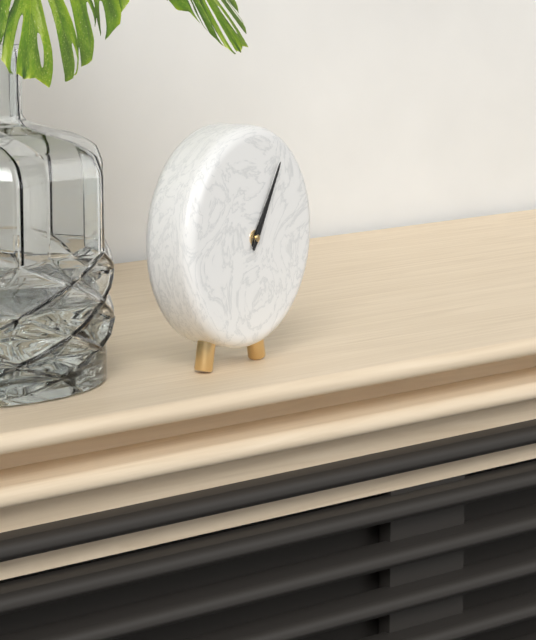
{"hour": 1, "minute": 5}
